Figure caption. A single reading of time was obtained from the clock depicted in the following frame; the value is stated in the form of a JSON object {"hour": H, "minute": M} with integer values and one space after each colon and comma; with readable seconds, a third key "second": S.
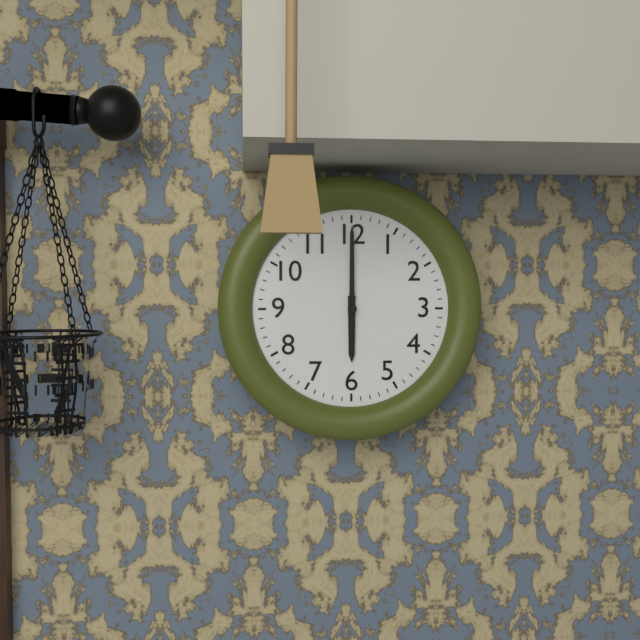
{"hour": 6, "minute": 0}
